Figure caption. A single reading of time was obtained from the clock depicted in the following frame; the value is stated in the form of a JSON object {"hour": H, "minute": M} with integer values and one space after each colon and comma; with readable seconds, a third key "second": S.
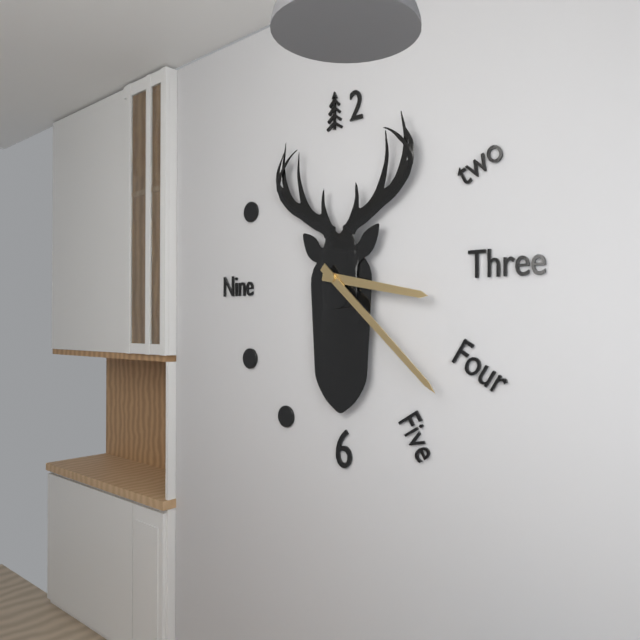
{"hour": 3, "minute": 22}
